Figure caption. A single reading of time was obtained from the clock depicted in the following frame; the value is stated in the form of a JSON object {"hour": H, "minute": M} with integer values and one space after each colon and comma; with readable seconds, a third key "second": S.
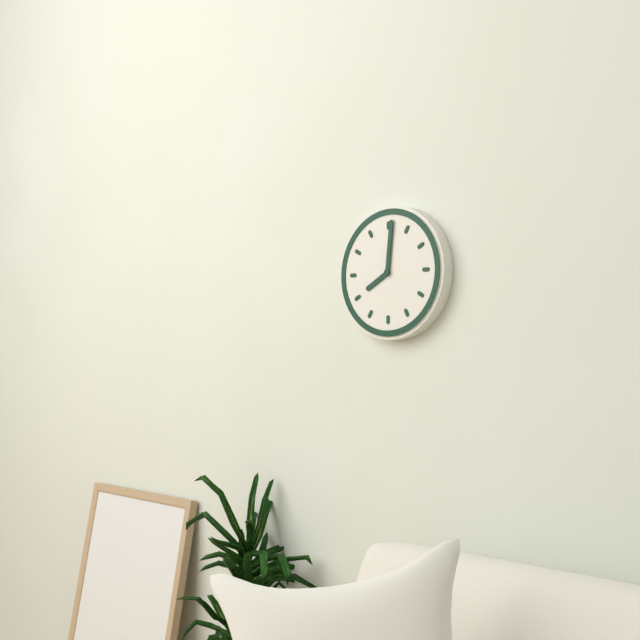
{"hour": 8, "minute": 1}
